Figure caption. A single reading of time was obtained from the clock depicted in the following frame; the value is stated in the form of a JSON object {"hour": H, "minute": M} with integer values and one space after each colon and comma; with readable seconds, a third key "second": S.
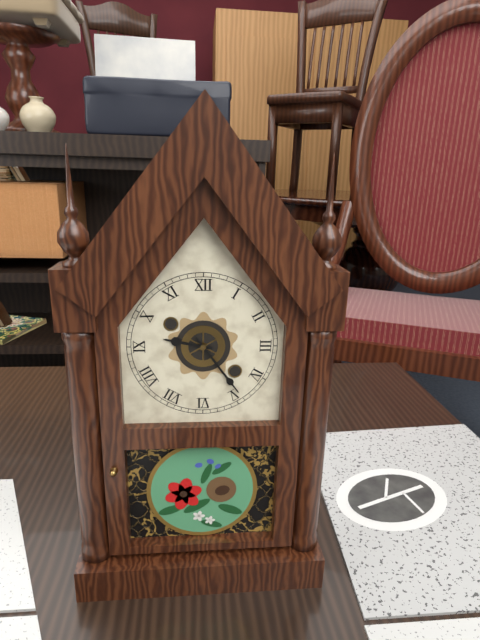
{"hour": 9, "minute": 24}
